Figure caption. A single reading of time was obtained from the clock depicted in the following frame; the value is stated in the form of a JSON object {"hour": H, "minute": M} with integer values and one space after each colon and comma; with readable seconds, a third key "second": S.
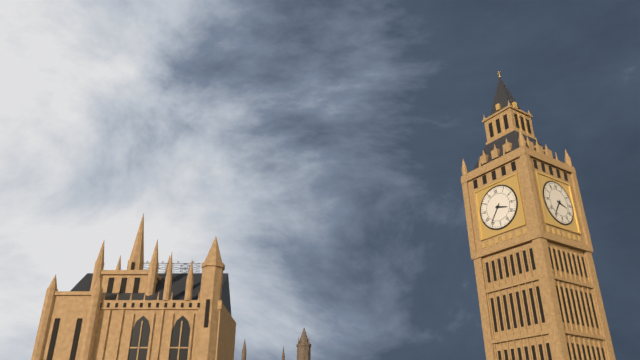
{"hour": 3, "minute": 36}
